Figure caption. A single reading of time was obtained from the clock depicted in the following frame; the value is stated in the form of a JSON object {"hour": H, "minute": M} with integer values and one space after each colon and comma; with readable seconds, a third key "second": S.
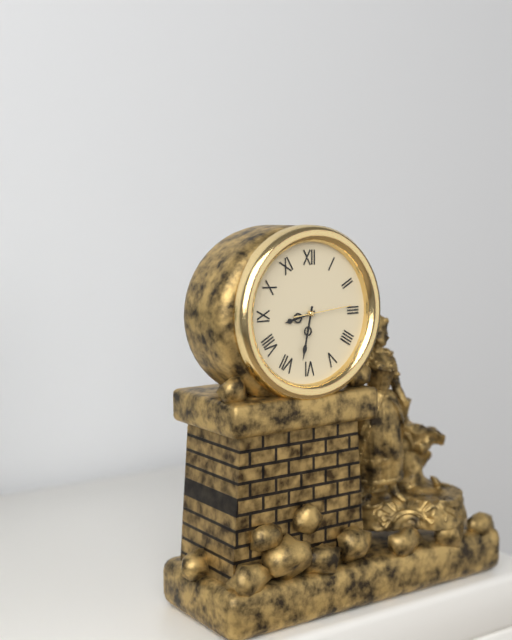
{"hour": 8, "minute": 32, "second": 14}
